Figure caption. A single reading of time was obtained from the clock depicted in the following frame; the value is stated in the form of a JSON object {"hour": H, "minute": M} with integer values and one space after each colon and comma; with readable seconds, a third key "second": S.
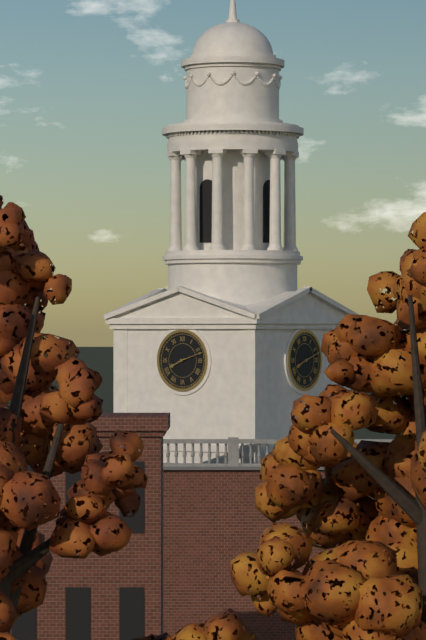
{"hour": 8, "minute": 12}
